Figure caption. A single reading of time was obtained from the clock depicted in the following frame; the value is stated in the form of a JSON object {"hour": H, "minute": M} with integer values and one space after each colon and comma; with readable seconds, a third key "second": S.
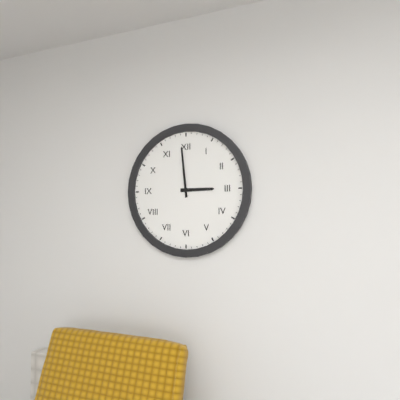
{"hour": 2, "minute": 59}
